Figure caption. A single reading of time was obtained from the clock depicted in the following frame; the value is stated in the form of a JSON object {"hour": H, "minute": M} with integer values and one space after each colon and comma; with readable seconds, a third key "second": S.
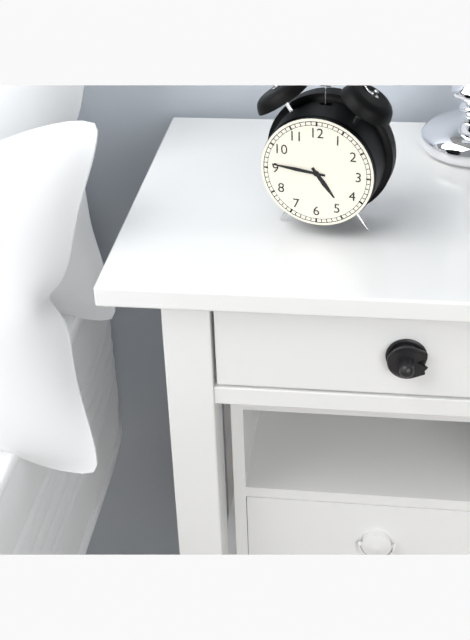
{"hour": 4, "minute": 46}
